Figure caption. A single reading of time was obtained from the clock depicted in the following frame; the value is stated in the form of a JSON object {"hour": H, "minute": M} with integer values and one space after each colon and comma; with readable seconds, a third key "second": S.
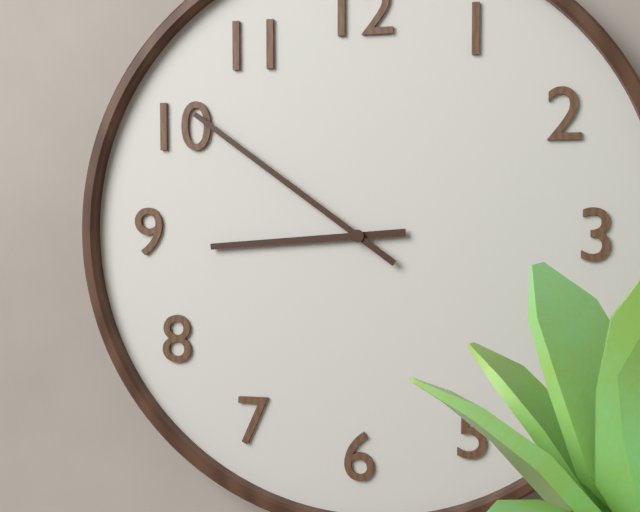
{"hour": 8, "minute": 51}
